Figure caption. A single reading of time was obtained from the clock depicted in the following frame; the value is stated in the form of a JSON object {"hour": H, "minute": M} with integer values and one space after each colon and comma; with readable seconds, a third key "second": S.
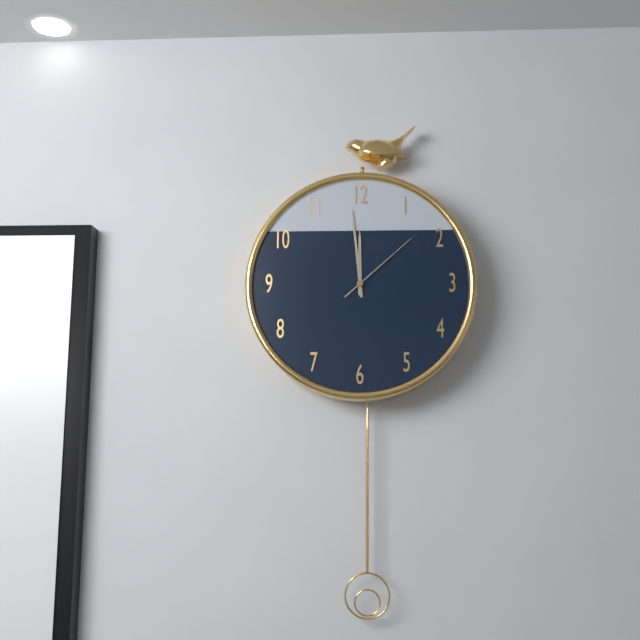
{"hour": 11, "minute": 59, "second": 8}
